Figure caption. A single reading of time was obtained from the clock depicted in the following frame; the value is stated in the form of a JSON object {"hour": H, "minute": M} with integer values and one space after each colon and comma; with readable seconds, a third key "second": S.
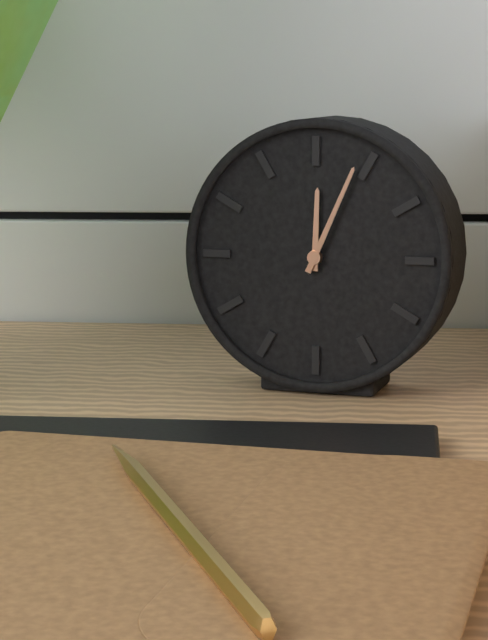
{"hour": 12, "minute": 4}
